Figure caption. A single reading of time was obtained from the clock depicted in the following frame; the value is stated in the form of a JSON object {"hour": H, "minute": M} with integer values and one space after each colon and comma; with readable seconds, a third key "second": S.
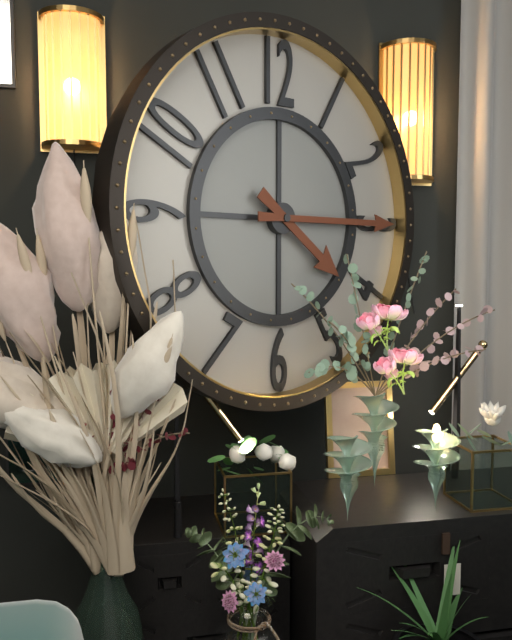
{"hour": 4, "minute": 15}
